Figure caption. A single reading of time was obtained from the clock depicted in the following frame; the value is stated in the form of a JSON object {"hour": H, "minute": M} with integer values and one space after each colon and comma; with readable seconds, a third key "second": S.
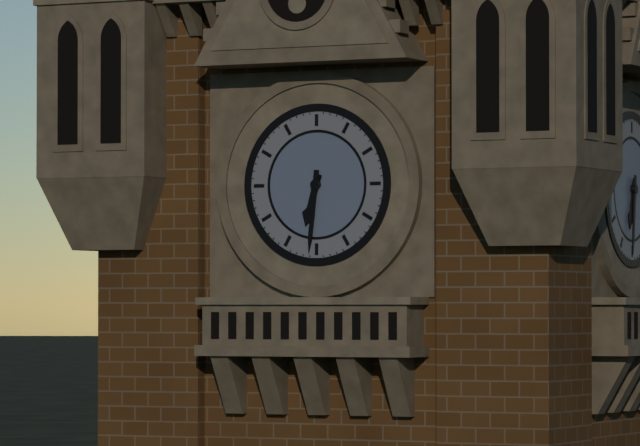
{"hour": 6, "minute": 31}
